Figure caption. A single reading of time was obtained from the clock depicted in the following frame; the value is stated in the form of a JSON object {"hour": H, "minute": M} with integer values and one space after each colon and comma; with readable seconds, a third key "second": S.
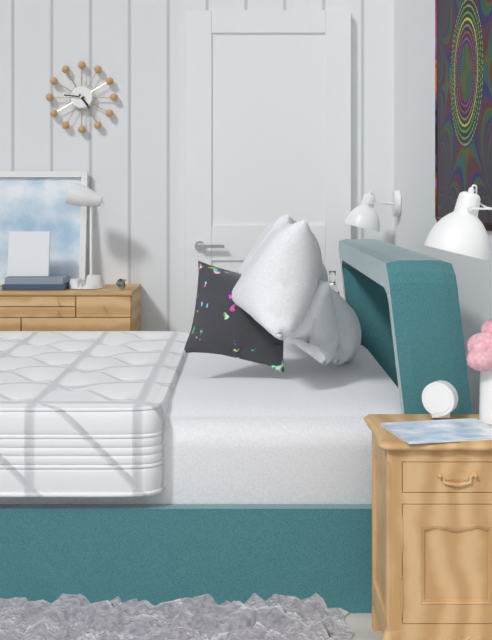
{"hour": 4, "minute": 46}
